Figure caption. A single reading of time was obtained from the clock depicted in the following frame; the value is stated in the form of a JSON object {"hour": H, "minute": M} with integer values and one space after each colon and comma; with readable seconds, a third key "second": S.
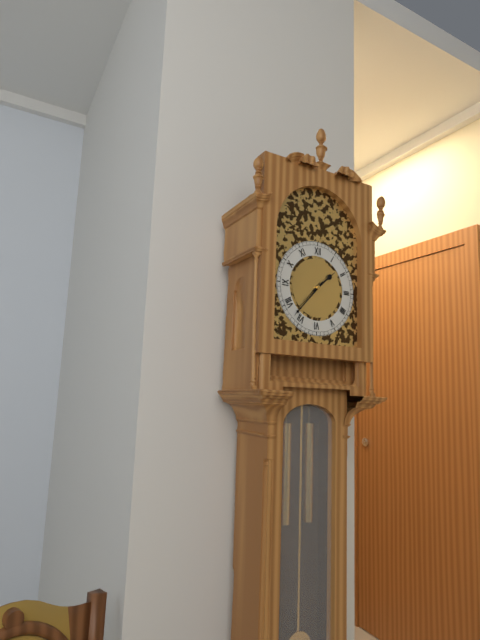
{"hour": 1, "minute": 37}
